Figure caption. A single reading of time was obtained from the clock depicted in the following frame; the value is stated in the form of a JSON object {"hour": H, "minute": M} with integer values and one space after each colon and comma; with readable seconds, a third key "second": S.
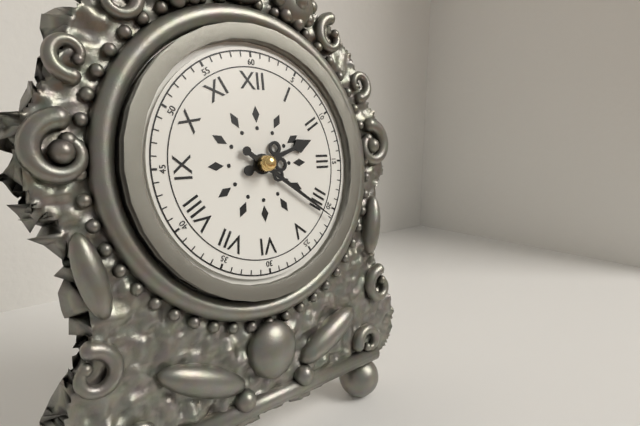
{"hour": 2, "minute": 21}
